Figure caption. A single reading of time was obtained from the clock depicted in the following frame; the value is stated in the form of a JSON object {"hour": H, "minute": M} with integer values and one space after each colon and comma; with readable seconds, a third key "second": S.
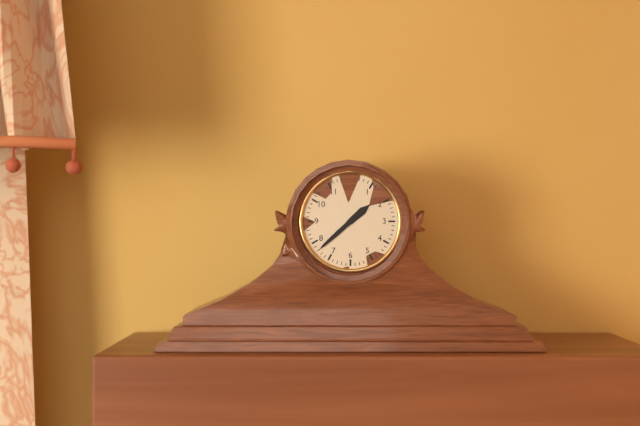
{"hour": 1, "minute": 38}
